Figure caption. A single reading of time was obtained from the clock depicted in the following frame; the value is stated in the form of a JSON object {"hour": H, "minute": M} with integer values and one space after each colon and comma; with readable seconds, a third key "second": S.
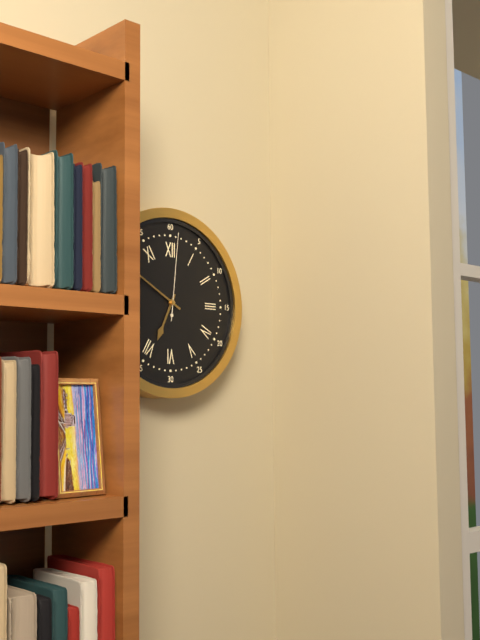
{"hour": 6, "minute": 50, "second": 1}
